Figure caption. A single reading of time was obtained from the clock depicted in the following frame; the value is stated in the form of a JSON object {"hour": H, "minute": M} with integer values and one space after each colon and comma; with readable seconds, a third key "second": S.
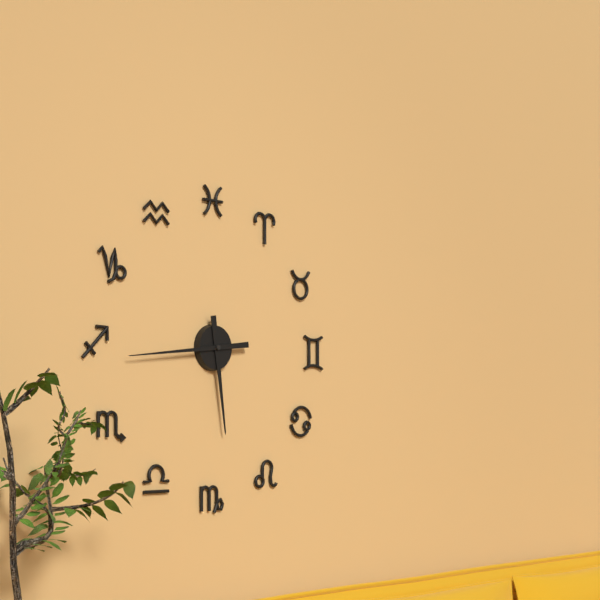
{"hour": 5, "minute": 44}
